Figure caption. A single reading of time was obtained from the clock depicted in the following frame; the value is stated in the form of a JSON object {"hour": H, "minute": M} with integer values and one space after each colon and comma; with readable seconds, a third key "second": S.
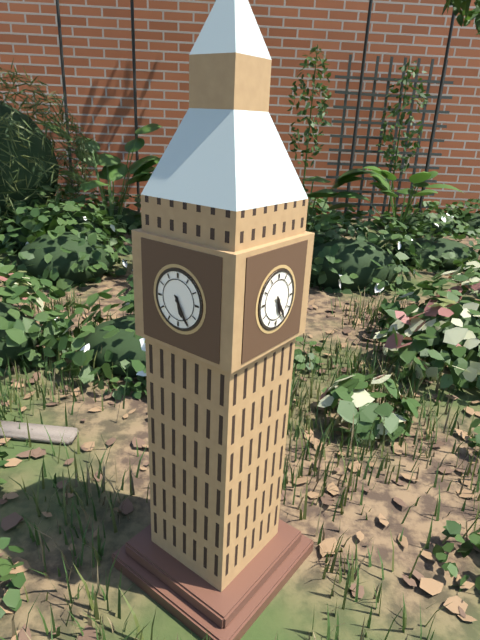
{"hour": 5, "minute": 25}
